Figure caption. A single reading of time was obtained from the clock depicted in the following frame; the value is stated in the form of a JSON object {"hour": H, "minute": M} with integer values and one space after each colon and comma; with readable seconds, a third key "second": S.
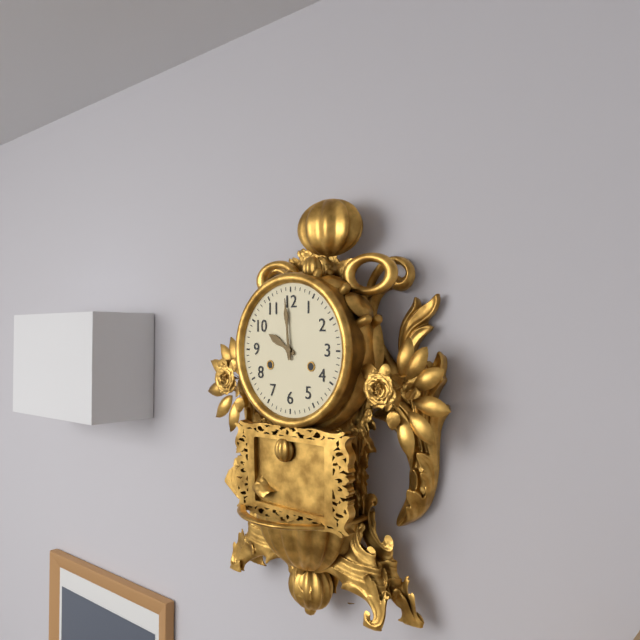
{"hour": 9, "minute": 59}
